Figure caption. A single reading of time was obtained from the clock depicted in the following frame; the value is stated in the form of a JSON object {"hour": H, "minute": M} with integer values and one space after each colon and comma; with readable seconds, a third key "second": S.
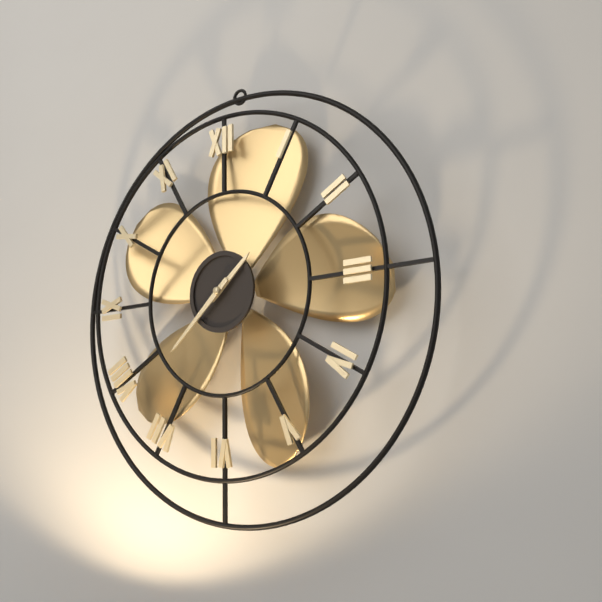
{"hour": 1, "minute": 38}
